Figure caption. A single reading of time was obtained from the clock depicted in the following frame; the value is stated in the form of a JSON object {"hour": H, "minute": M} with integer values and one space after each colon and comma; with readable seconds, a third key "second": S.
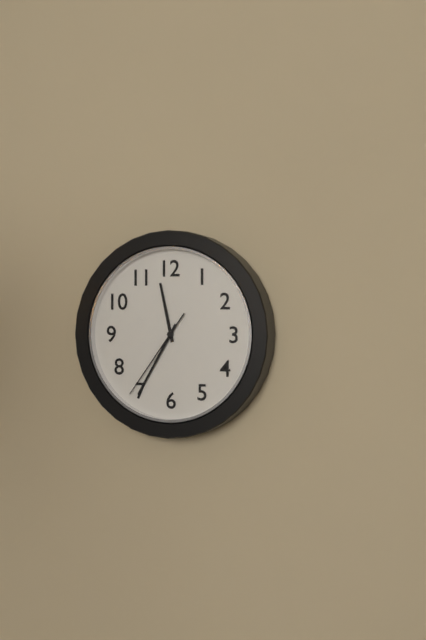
{"hour": 11, "minute": 35, "second": 36}
